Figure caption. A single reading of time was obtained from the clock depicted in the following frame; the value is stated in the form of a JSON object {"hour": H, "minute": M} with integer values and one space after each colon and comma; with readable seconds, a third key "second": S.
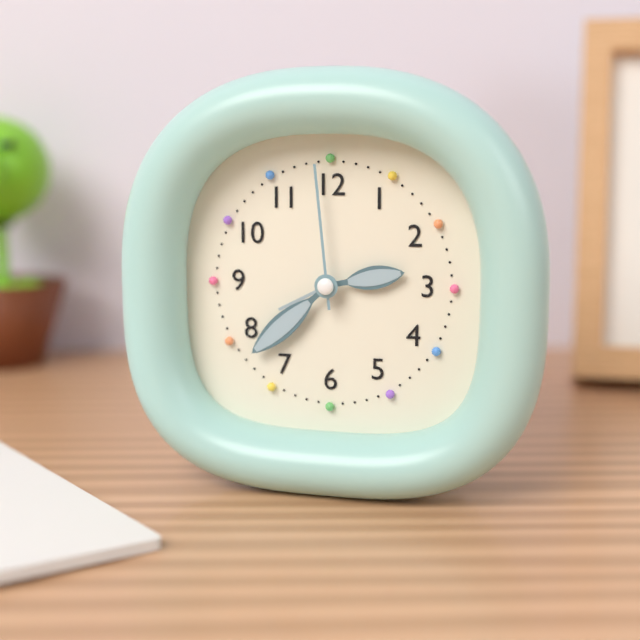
{"hour": 2, "minute": 38, "second": 59}
